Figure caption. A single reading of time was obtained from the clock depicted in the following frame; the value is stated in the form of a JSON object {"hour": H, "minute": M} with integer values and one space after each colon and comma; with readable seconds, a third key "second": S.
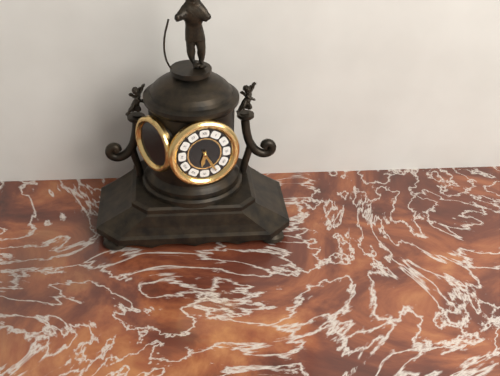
{"hour": 6, "minute": 25}
